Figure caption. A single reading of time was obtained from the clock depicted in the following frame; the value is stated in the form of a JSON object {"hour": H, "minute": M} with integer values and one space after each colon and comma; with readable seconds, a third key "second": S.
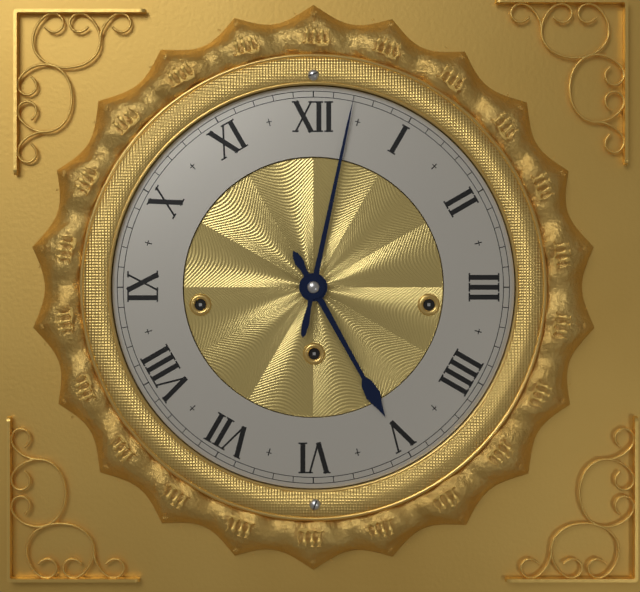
{"hour": 5, "minute": 2}
